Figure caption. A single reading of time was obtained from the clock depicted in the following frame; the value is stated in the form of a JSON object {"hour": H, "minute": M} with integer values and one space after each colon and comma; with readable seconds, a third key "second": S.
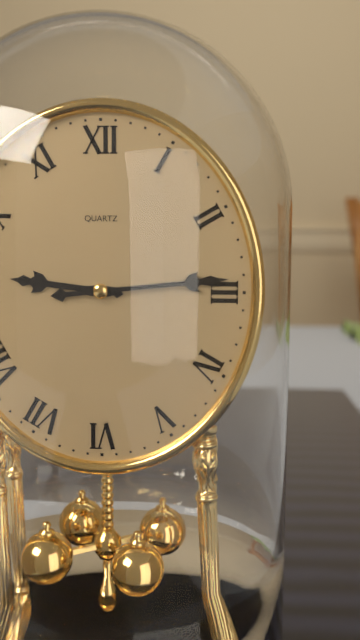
{"hour": 9, "minute": 14}
